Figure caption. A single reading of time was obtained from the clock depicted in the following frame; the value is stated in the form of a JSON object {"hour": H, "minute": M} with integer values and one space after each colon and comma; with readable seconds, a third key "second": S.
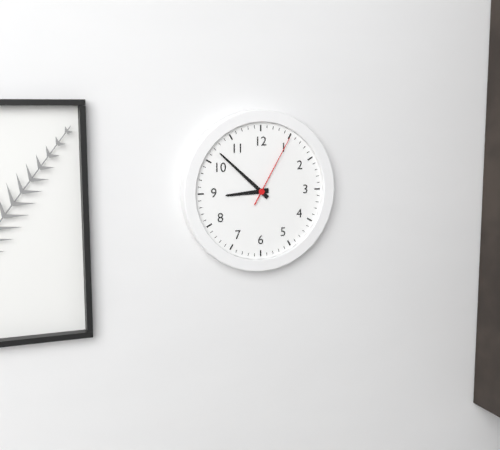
{"hour": 8, "minute": 52, "second": 5}
